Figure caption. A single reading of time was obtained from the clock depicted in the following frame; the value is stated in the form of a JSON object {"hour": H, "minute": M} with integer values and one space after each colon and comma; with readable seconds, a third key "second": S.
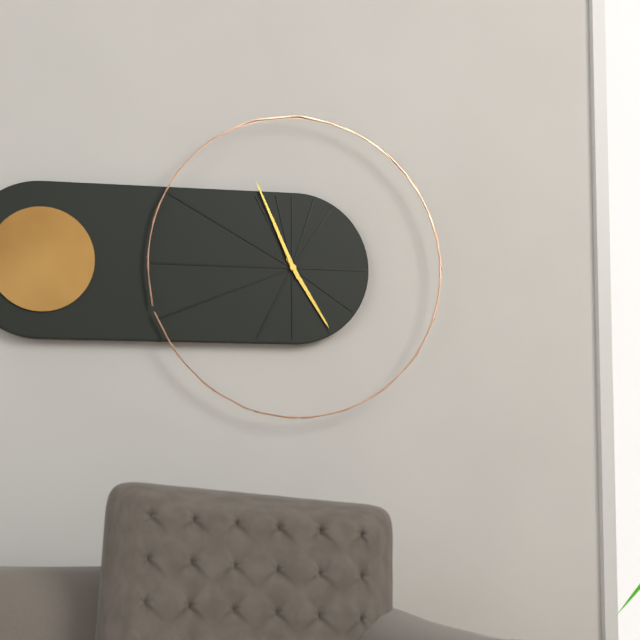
{"hour": 4, "minute": 56}
